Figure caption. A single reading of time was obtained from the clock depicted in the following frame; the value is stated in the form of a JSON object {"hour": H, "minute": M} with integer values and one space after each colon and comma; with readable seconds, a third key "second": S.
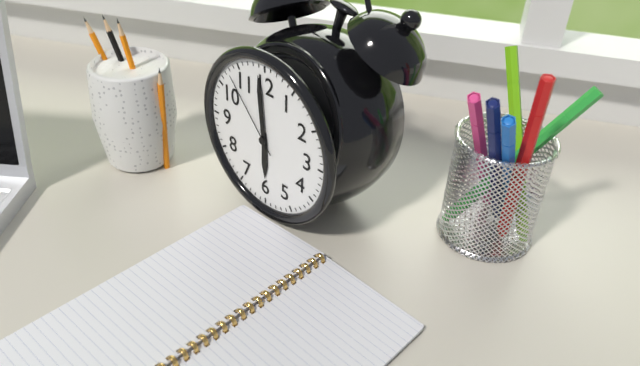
{"hour": 5, "minute": 59, "second": 53}
